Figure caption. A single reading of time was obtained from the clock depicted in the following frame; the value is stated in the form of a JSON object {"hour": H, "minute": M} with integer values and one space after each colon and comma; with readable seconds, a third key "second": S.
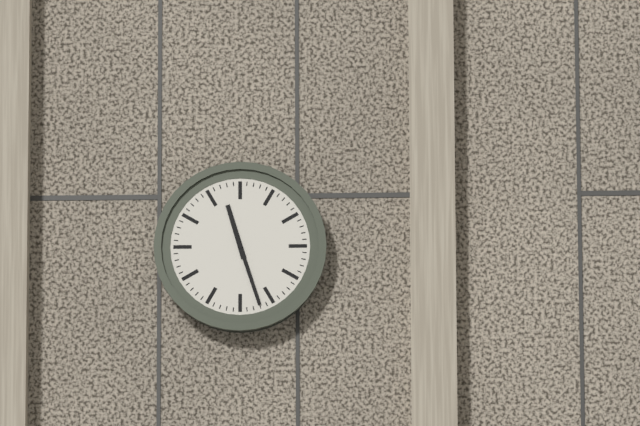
{"hour": 11, "minute": 27}
